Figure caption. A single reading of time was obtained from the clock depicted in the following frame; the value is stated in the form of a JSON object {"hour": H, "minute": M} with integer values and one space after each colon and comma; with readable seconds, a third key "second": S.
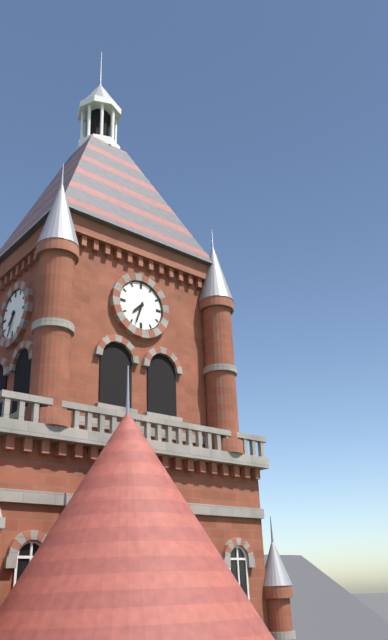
{"hour": 7, "minute": 33}
